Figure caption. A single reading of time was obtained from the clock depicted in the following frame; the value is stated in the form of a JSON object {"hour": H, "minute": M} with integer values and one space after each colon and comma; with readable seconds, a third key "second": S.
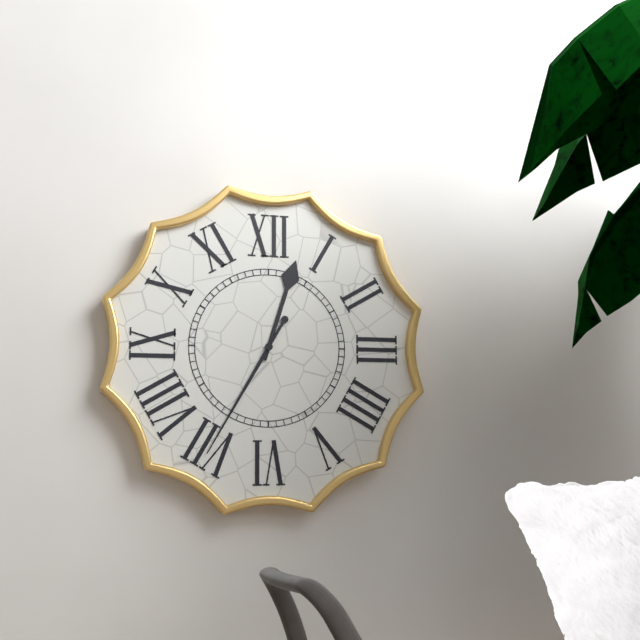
{"hour": 12, "minute": 35}
